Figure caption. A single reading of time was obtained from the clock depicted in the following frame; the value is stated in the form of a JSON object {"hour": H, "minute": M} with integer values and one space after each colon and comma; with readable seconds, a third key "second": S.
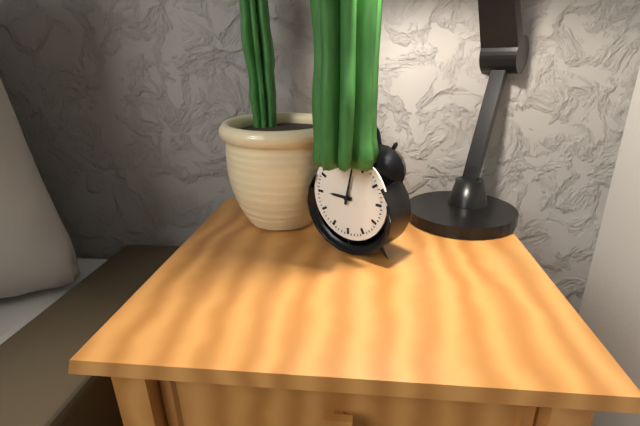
{"hour": 9, "minute": 2}
